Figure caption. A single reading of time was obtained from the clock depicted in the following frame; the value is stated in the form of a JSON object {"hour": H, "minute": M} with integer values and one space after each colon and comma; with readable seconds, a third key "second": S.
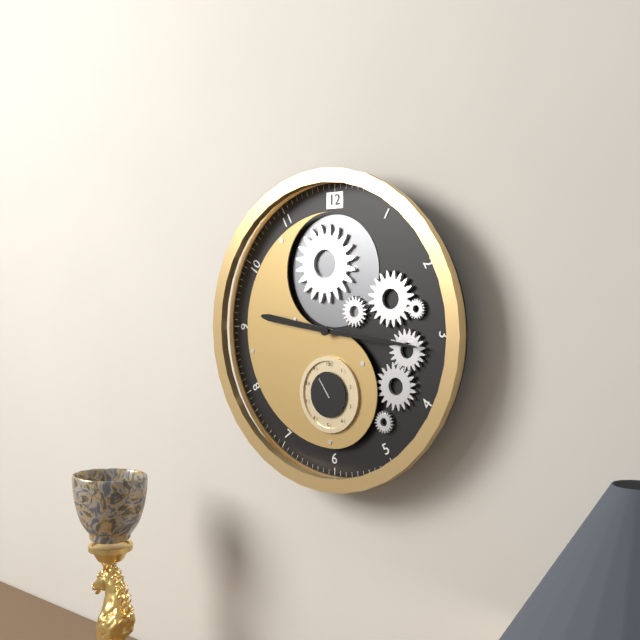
{"hour": 9, "minute": 16}
